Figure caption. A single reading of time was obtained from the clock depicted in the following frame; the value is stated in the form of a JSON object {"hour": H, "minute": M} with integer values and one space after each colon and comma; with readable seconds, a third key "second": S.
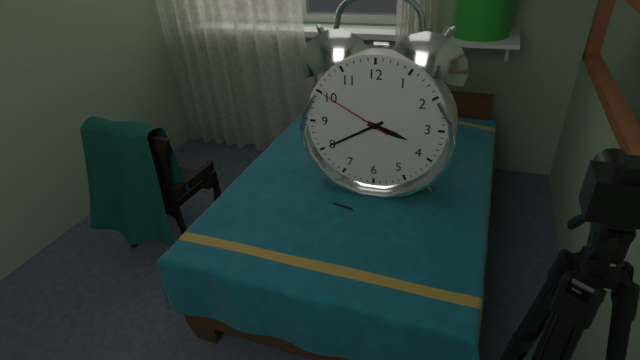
{"hour": 3, "minute": 40, "second": 50}
